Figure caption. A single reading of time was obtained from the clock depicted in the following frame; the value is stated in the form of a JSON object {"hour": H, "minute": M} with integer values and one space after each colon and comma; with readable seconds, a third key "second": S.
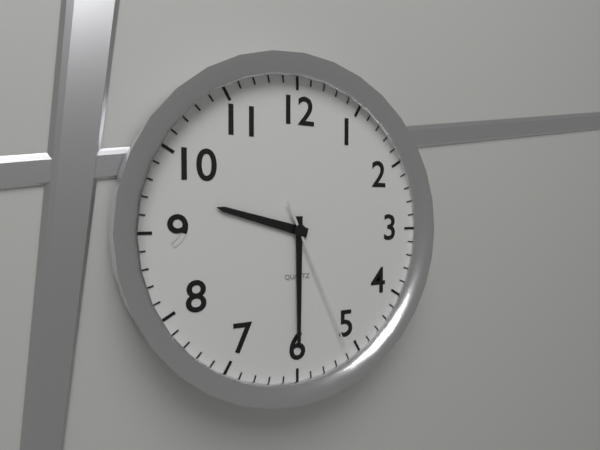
{"hour": 9, "minute": 30, "second": 26}
